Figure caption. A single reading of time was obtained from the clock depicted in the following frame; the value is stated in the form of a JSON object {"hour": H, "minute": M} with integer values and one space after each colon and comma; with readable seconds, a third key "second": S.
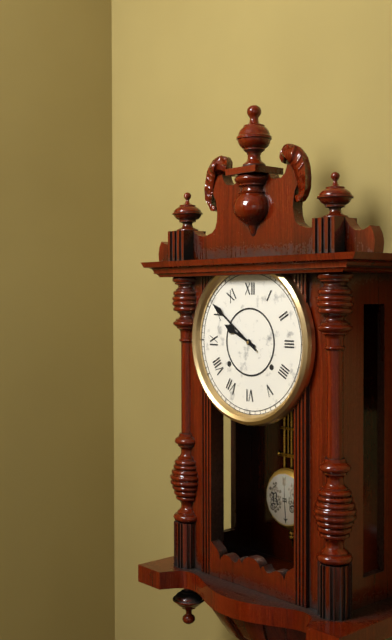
{"hour": 9, "minute": 51}
